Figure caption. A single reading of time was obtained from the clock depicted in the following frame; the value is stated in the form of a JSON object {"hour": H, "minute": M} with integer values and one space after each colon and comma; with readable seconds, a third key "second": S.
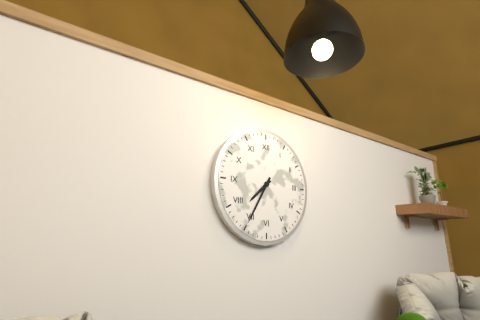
{"hour": 7, "minute": 35}
